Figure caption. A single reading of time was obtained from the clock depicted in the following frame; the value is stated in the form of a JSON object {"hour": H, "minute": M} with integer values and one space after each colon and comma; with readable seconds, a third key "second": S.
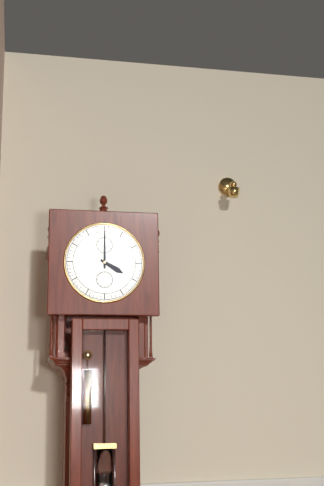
{"hour": 4, "minute": 0}
